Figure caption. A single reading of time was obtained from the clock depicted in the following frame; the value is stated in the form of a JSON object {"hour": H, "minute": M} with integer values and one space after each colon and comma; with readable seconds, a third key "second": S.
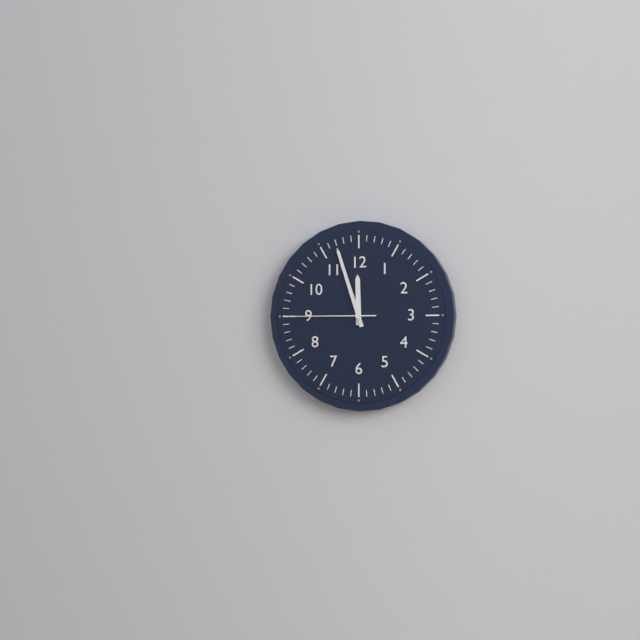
{"hour": 11, "minute": 57, "second": 45}
